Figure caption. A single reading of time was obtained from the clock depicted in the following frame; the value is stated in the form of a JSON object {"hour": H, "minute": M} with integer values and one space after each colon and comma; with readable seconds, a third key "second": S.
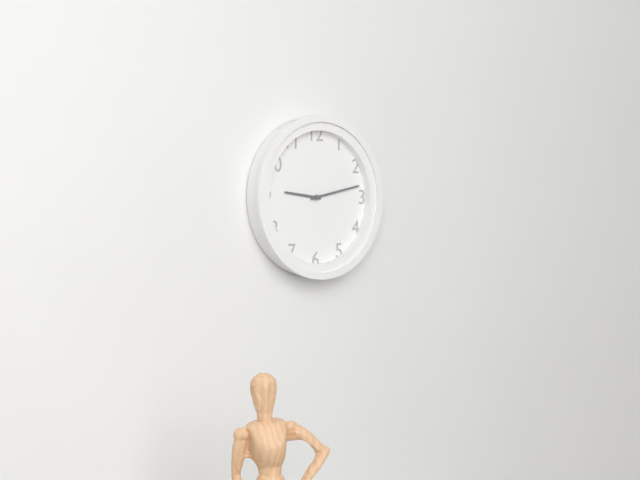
{"hour": 9, "minute": 13}
